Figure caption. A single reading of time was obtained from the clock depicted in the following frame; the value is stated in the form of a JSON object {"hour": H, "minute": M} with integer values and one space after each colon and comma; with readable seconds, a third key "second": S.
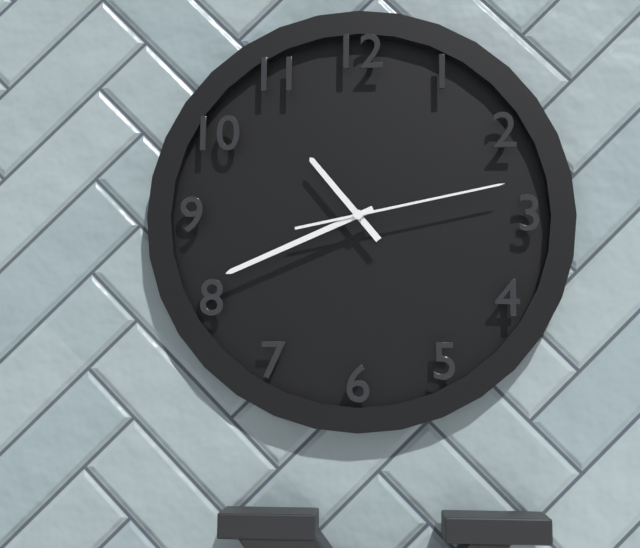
{"hour": 10, "minute": 41, "second": 13}
